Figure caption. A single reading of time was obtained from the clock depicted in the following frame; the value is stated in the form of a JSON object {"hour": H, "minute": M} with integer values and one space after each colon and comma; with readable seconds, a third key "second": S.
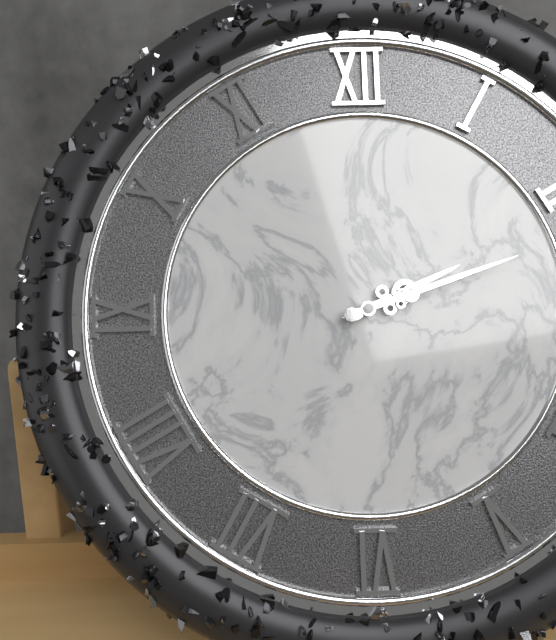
{"hour": 2, "minute": 12}
